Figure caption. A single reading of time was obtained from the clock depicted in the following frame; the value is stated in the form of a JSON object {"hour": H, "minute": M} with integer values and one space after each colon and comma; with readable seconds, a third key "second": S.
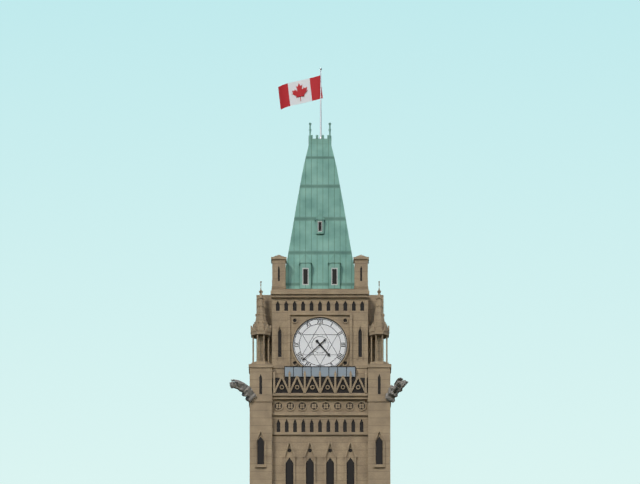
{"hour": 4, "minute": 38}
